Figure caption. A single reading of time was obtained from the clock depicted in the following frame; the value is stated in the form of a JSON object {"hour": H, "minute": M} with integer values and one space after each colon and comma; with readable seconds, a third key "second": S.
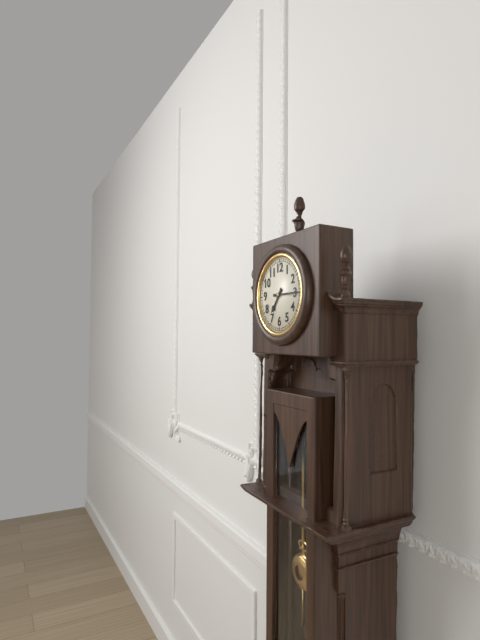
{"hour": 7, "minute": 15}
